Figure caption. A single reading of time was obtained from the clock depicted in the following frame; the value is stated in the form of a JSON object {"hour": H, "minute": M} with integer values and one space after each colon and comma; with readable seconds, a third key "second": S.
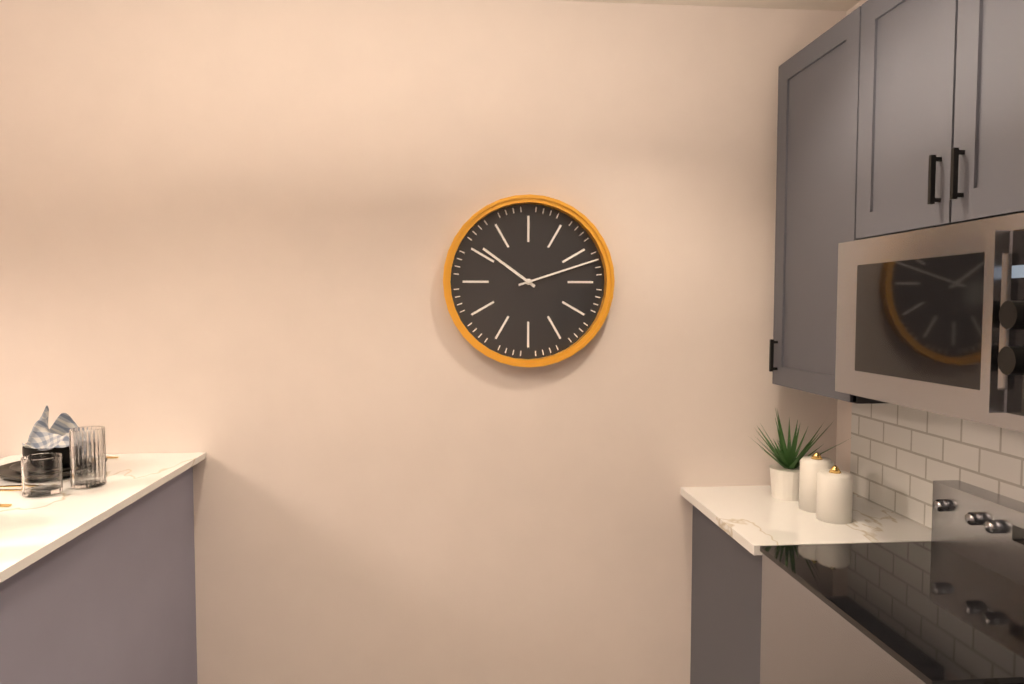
{"hour": 10, "minute": 12}
